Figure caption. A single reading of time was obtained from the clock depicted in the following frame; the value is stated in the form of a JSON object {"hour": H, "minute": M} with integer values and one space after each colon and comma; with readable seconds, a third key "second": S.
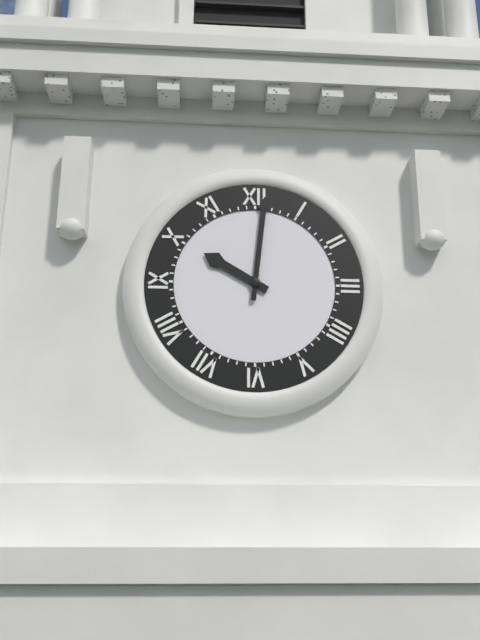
{"hour": 10, "minute": 1}
